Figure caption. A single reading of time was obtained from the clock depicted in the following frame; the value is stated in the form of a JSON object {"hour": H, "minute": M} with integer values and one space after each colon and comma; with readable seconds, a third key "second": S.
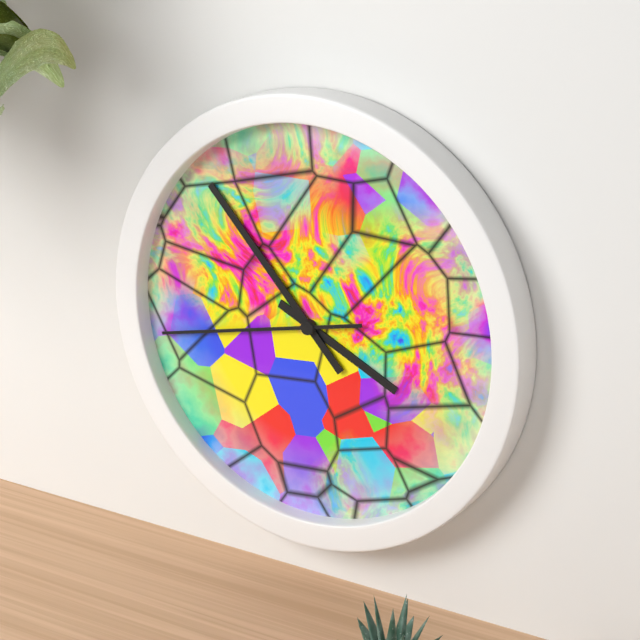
{"hour": 3, "minute": 53, "second": 43}
